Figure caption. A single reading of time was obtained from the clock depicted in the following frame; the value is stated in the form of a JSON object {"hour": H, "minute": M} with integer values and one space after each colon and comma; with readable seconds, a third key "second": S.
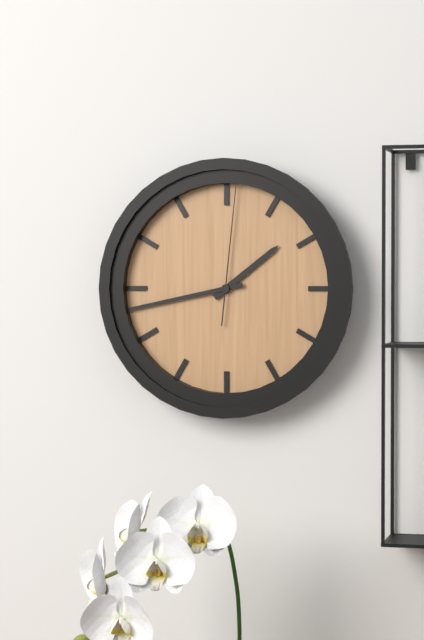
{"hour": 1, "minute": 43, "second": 1}
